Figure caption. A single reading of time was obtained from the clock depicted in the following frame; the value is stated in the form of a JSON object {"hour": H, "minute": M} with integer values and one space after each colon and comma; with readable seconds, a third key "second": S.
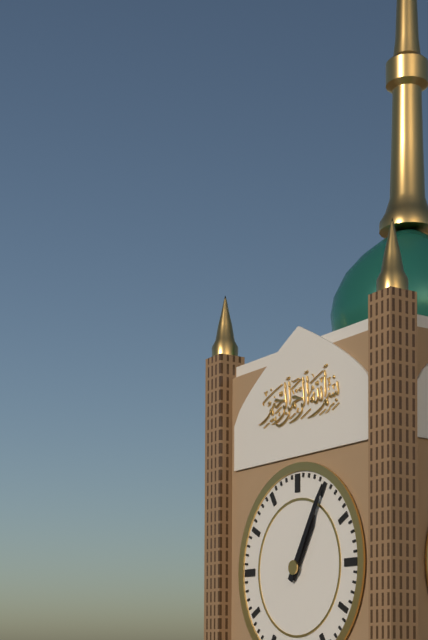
{"hour": 1, "minute": 5}
